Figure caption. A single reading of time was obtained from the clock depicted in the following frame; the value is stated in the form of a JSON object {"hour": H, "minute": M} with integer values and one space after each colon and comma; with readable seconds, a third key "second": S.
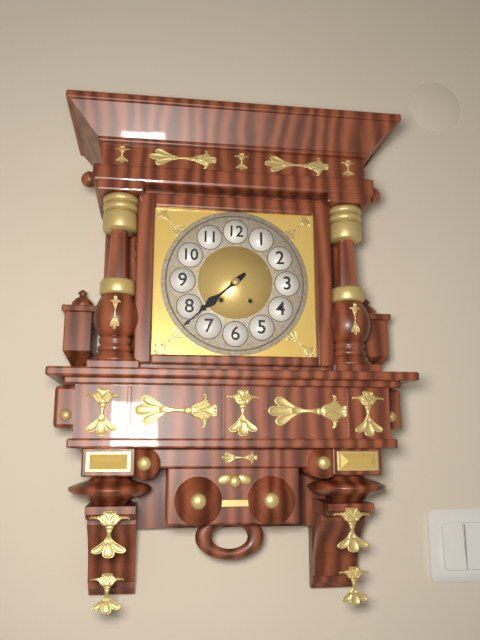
{"hour": 7, "minute": 38}
